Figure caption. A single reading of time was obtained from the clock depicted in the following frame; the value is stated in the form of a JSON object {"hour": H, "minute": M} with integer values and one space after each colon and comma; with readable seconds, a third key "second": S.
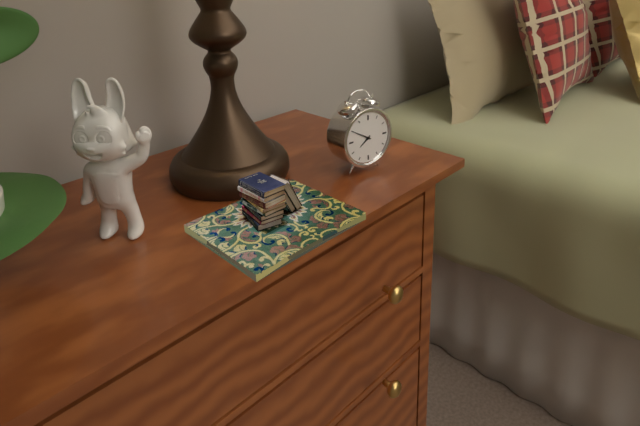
{"hour": 7, "minute": 50}
